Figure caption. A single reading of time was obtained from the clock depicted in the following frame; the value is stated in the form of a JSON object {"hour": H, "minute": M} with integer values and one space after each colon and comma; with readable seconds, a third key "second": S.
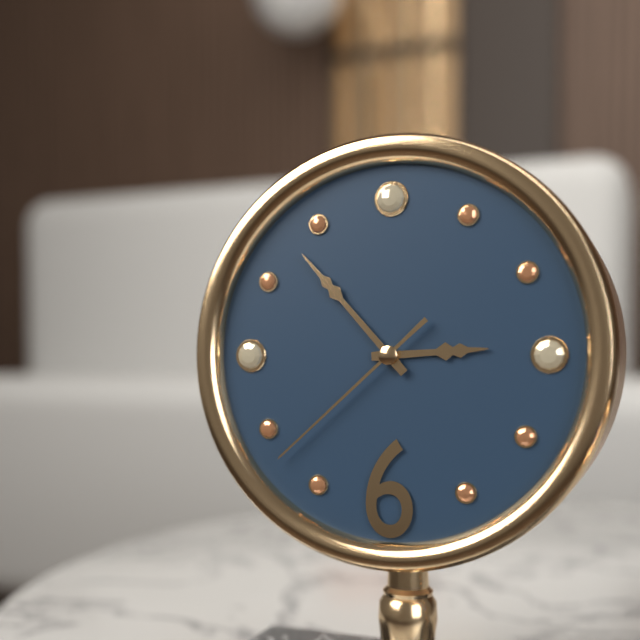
{"hour": 2, "minute": 53, "second": 38}
